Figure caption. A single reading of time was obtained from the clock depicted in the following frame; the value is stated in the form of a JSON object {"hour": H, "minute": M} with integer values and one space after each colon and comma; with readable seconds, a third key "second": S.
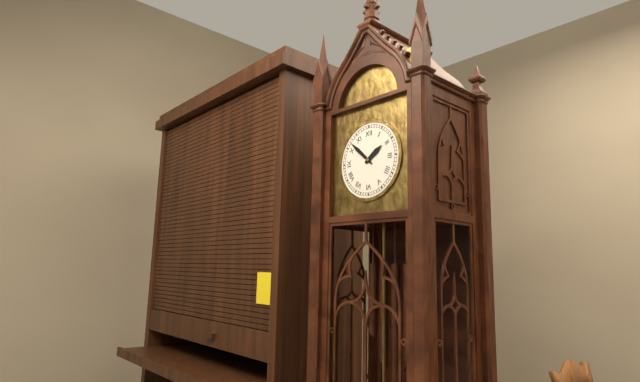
{"hour": 1, "minute": 52}
